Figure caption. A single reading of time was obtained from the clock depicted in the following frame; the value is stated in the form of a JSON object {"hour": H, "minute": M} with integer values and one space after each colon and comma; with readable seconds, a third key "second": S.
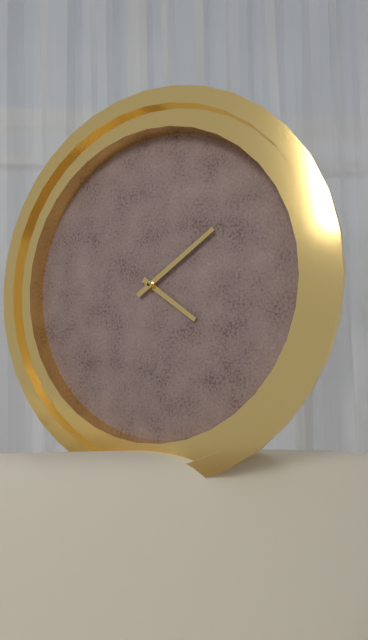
{"hour": 4, "minute": 9}
